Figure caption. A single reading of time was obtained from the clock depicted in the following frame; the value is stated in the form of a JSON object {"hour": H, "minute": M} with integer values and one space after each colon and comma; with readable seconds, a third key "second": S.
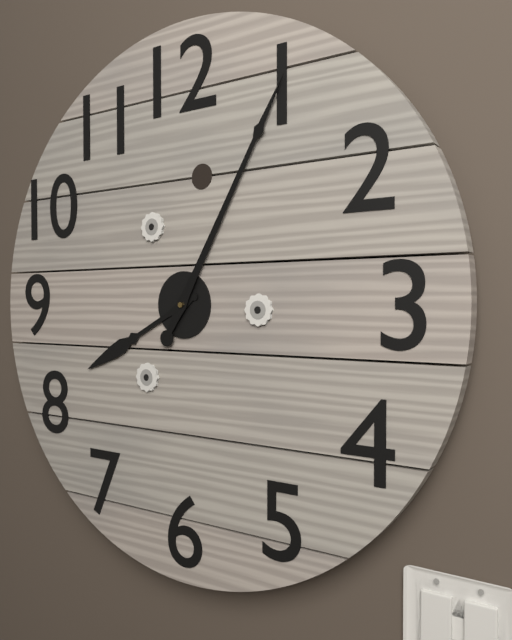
{"hour": 8, "minute": 5}
